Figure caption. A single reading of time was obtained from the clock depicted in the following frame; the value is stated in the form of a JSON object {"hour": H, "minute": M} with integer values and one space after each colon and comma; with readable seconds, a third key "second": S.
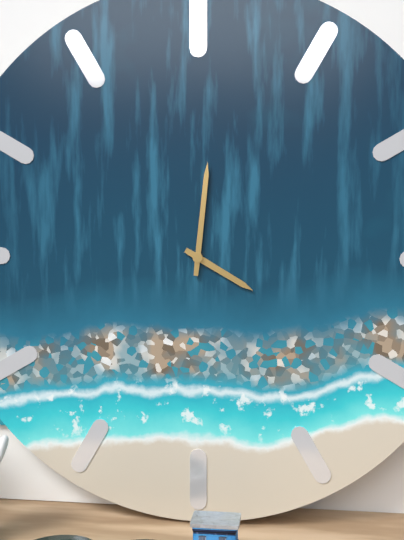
{"hour": 4, "minute": 1}
